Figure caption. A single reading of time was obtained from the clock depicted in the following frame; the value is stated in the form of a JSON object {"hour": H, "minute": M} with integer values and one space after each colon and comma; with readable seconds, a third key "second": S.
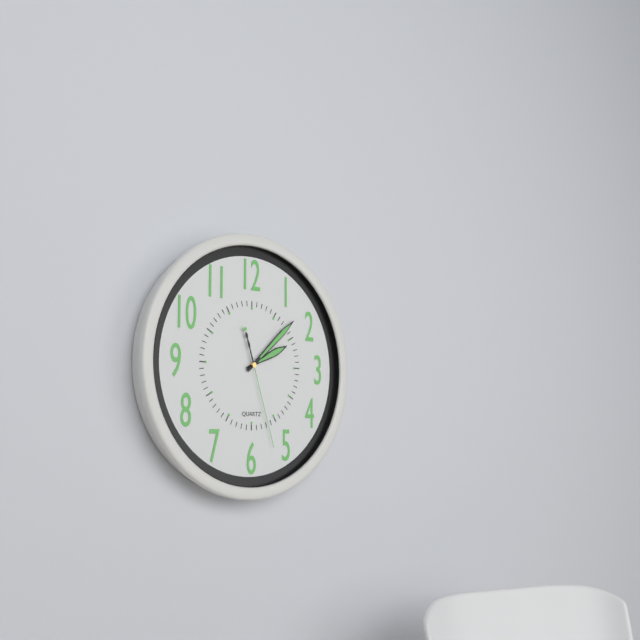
{"hour": 2, "minute": 8, "second": 27}
